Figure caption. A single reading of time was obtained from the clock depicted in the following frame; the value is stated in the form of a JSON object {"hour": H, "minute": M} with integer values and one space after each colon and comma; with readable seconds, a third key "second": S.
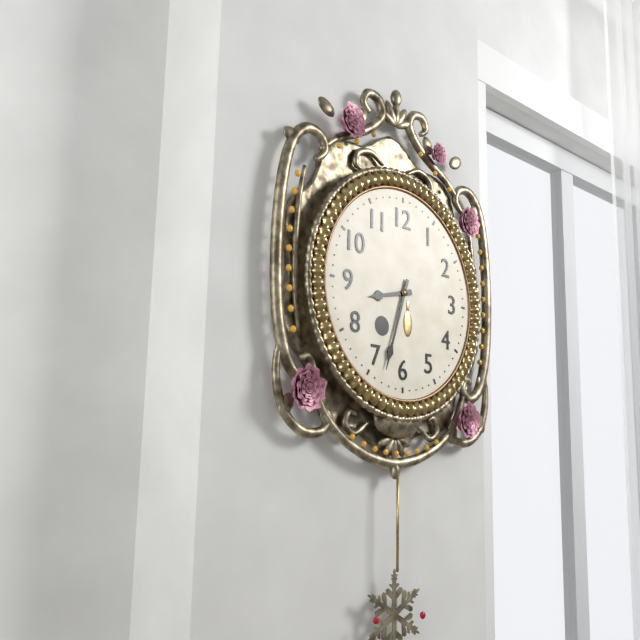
{"hour": 8, "minute": 33}
